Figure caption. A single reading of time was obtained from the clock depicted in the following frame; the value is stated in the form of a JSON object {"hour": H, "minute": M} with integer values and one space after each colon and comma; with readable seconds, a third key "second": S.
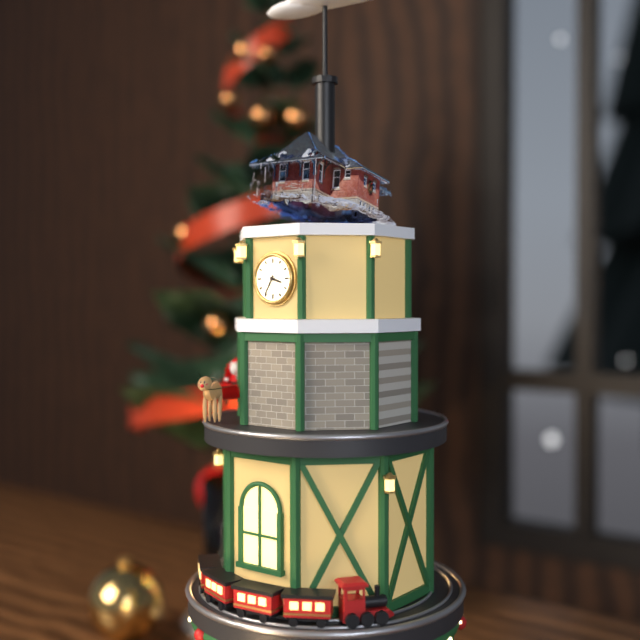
{"hour": 3, "minute": 35}
